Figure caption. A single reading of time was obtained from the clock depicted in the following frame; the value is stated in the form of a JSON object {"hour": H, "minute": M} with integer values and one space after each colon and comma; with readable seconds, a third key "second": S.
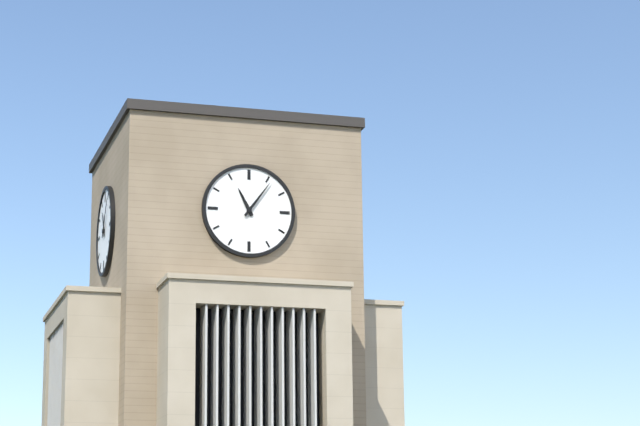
{"hour": 11, "minute": 6}
